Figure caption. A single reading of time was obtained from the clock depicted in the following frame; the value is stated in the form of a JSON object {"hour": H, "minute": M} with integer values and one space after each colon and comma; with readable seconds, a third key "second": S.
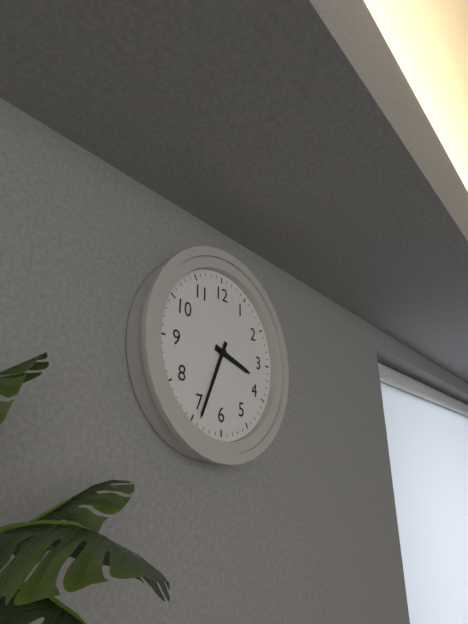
{"hour": 3, "minute": 34}
